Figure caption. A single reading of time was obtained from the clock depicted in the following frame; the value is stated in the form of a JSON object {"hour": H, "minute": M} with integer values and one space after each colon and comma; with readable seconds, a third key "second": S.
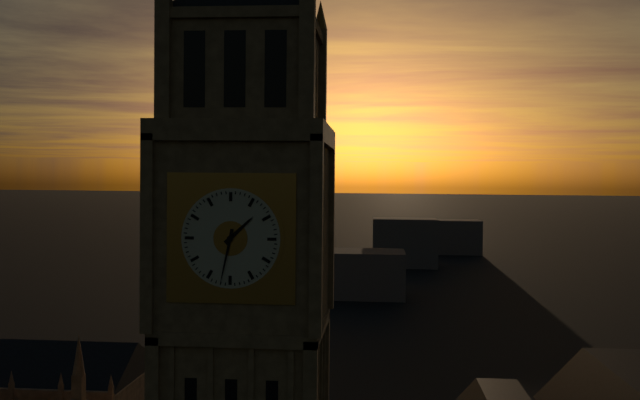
{"hour": 1, "minute": 32}
